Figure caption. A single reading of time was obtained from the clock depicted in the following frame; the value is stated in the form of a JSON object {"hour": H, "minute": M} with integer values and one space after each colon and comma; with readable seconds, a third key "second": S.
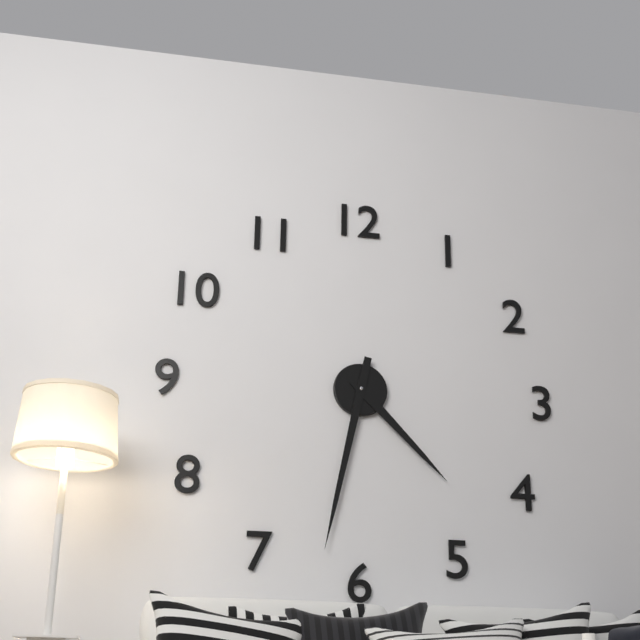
{"hour": 4, "minute": 32}
